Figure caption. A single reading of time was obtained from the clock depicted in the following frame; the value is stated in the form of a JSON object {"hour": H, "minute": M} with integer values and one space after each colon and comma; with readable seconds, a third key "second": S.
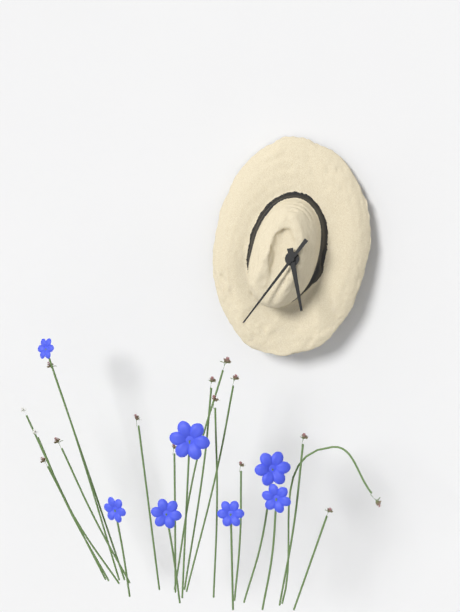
{"hour": 5, "minute": 36}
